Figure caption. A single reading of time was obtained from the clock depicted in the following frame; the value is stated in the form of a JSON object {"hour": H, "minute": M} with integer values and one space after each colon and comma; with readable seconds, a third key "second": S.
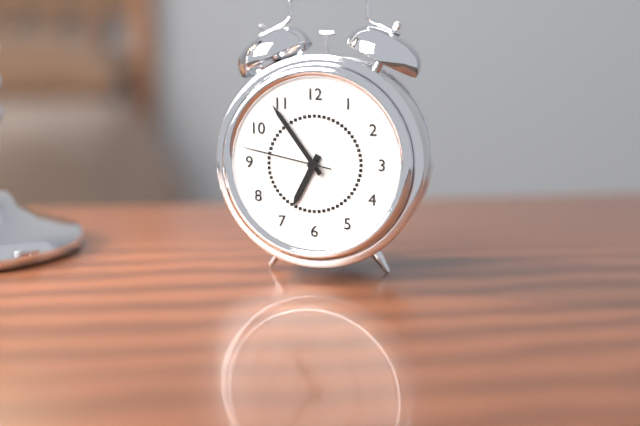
{"hour": 6, "minute": 54, "second": 47}
